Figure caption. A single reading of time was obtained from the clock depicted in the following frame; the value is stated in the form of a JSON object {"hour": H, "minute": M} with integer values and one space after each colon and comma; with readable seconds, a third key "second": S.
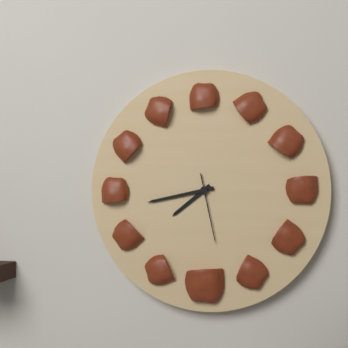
{"hour": 7, "minute": 43, "second": 28}
